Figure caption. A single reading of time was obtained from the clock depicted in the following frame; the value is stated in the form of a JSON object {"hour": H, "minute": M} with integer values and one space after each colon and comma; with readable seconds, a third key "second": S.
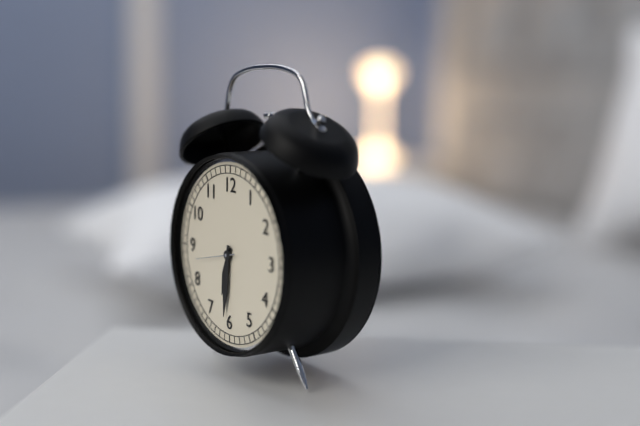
{"hour": 6, "minute": 31}
